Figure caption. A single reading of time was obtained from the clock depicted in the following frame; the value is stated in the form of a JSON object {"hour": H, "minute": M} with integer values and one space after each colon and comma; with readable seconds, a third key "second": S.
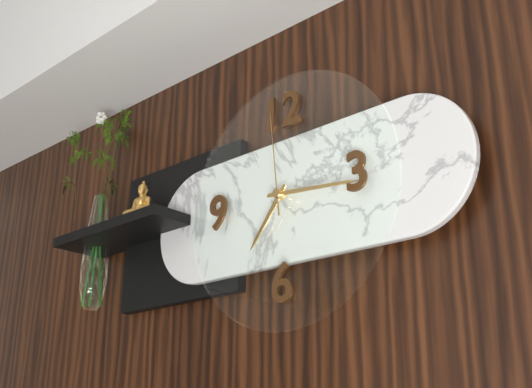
{"hour": 7, "minute": 16, "second": 59}
